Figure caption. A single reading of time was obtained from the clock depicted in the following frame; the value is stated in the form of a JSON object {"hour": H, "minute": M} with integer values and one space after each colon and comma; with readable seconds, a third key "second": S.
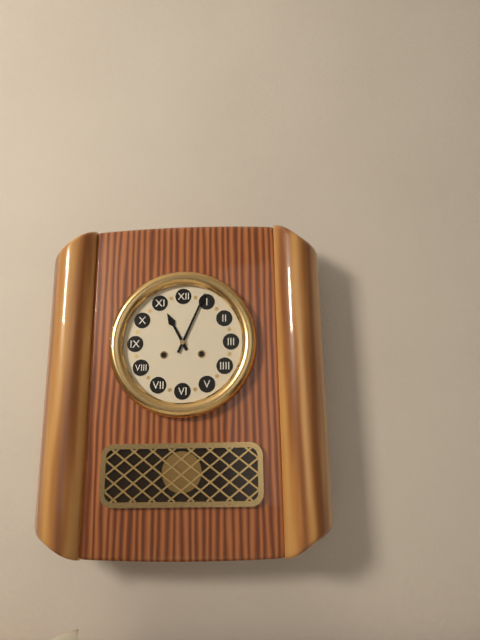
{"hour": 11, "minute": 4}
